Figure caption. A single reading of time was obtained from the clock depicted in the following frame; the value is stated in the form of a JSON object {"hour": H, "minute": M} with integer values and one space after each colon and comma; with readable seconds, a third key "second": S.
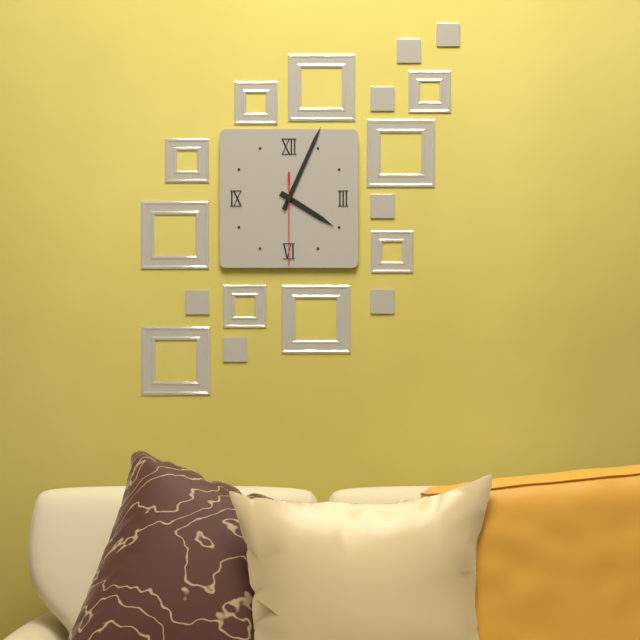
{"hour": 4, "minute": 4, "second": 30}
